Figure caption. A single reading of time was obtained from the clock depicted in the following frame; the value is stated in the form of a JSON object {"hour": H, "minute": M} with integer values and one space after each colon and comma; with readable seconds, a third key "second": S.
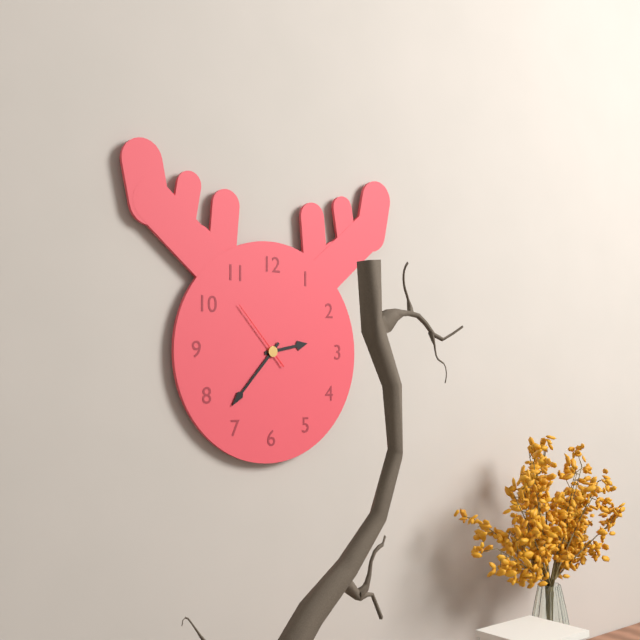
{"hour": 2, "minute": 37, "second": 53}
